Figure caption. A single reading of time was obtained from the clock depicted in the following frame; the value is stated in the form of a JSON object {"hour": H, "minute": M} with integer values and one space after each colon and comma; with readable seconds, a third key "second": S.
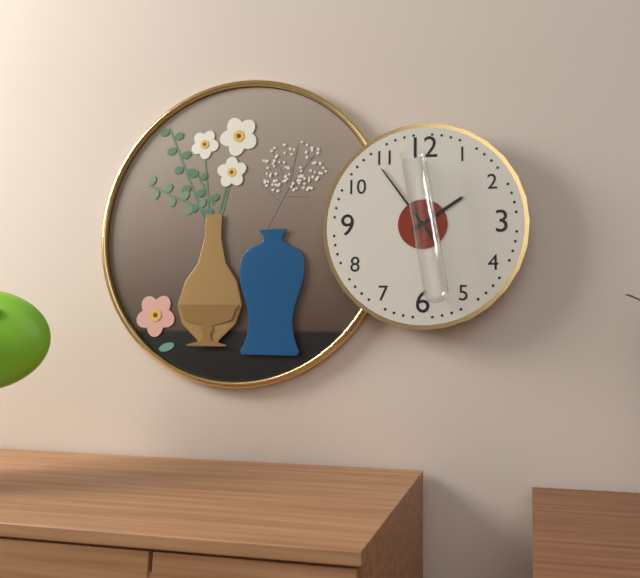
{"hour": 1, "minute": 54}
